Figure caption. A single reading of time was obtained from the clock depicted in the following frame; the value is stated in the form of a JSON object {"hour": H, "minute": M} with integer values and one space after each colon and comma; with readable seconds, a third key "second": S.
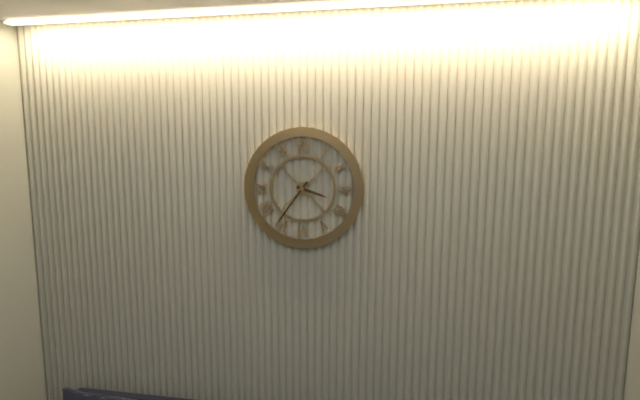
{"hour": 3, "minute": 36}
